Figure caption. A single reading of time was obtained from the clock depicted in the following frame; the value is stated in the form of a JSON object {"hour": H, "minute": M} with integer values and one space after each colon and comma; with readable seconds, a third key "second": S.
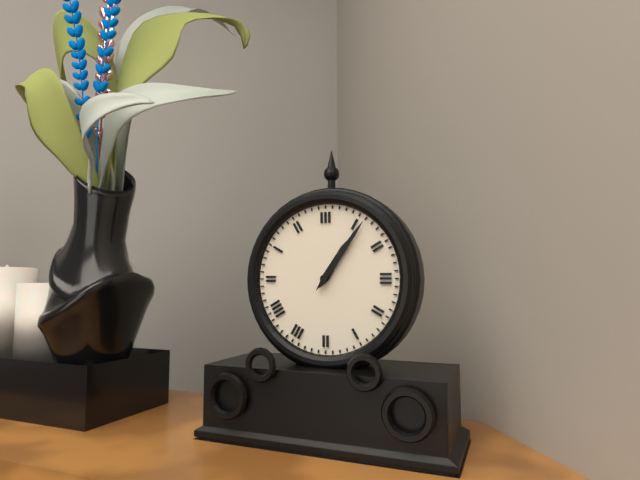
{"hour": 1, "minute": 6}
